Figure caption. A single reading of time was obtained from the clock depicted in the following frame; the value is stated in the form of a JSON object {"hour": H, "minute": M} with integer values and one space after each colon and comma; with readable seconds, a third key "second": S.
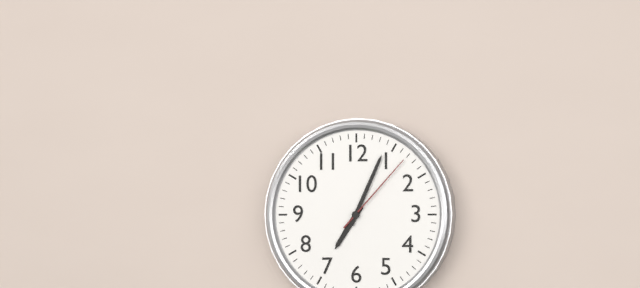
{"hour": 7, "minute": 4, "second": 7}
